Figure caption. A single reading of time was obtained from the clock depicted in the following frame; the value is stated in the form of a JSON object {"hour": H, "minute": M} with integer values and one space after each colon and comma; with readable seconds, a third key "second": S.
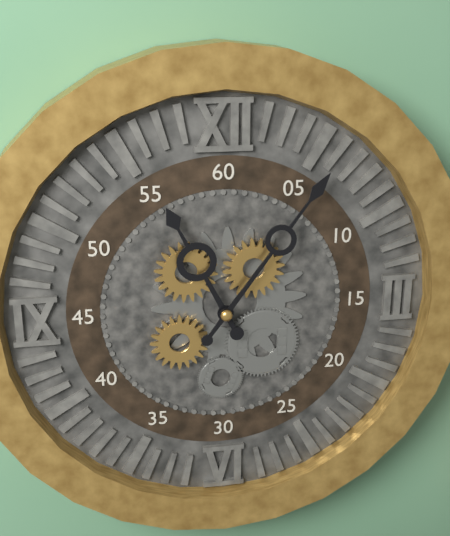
{"hour": 11, "minute": 6}
